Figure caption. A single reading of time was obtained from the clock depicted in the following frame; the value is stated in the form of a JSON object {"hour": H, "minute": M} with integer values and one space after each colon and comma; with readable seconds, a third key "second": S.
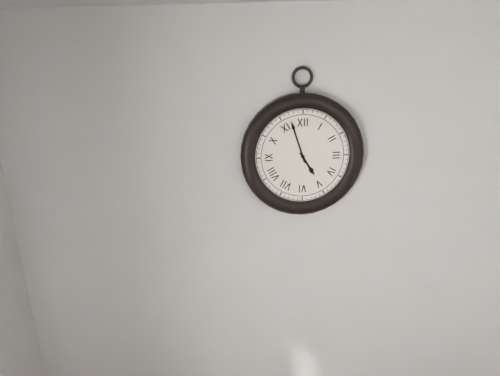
{"hour": 4, "minute": 57}
